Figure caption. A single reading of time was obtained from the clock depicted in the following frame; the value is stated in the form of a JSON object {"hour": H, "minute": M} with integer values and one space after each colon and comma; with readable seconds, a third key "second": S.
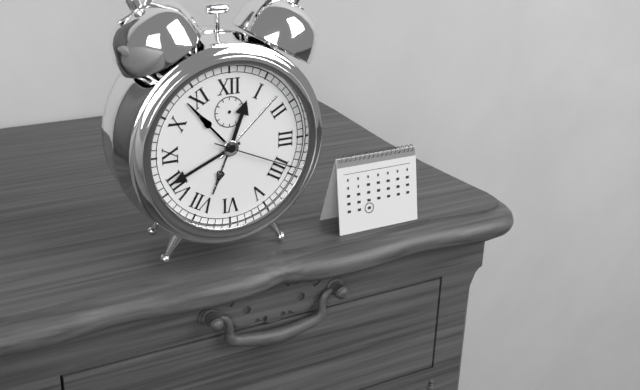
{"hour": 12, "minute": 41, "second": 19}
